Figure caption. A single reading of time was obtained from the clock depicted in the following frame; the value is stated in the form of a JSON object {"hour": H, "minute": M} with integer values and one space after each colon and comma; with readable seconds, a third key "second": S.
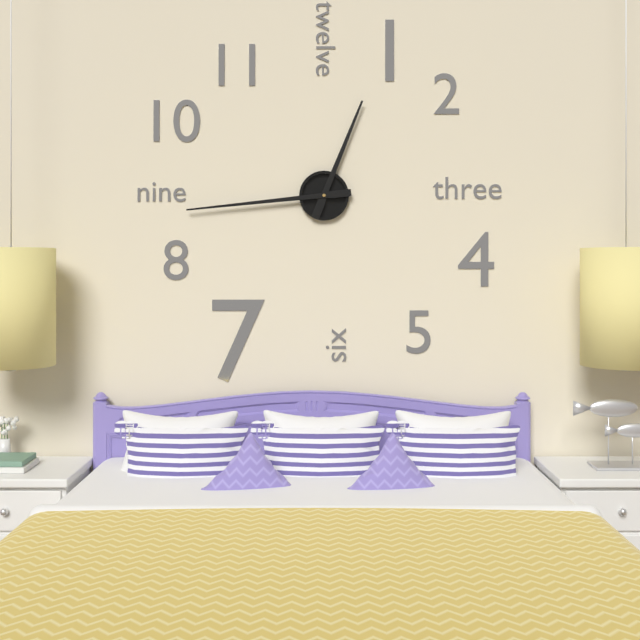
{"hour": 12, "minute": 44}
